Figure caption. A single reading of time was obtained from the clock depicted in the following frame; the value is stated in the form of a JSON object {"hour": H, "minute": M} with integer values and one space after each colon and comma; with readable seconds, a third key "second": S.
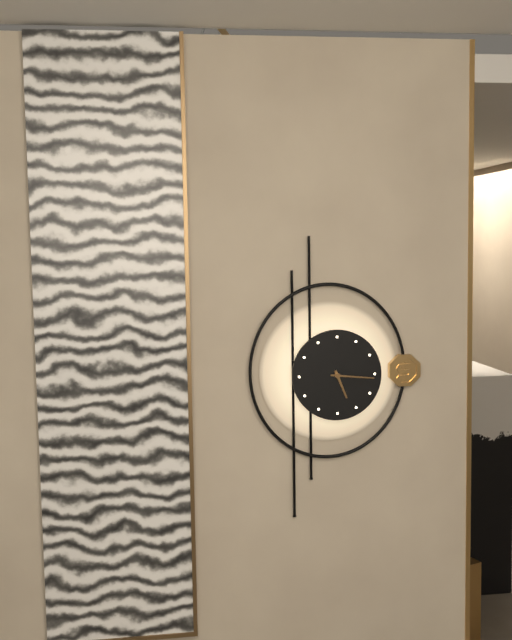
{"hour": 5, "minute": 16}
